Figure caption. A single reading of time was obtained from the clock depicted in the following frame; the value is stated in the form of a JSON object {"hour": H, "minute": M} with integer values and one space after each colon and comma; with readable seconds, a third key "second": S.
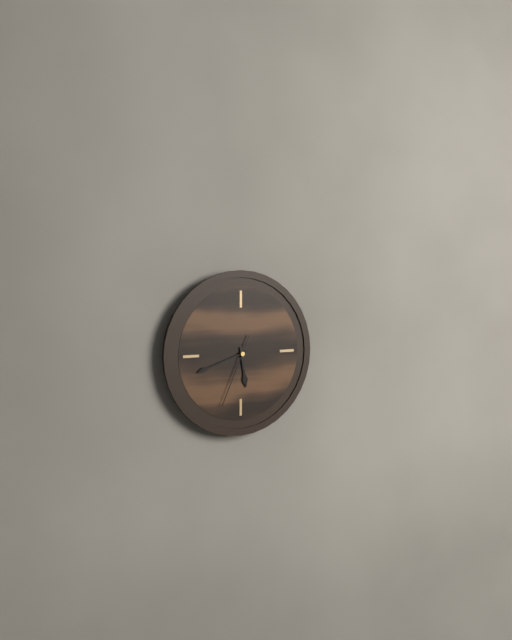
{"hour": 5, "minute": 42, "second": 34}
